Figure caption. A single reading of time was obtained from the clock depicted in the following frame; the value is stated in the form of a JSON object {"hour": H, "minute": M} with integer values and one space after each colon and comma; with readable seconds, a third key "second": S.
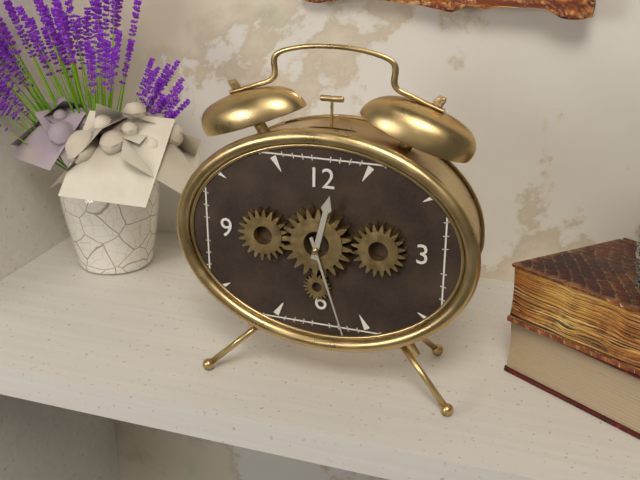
{"hour": 12, "minute": 27}
